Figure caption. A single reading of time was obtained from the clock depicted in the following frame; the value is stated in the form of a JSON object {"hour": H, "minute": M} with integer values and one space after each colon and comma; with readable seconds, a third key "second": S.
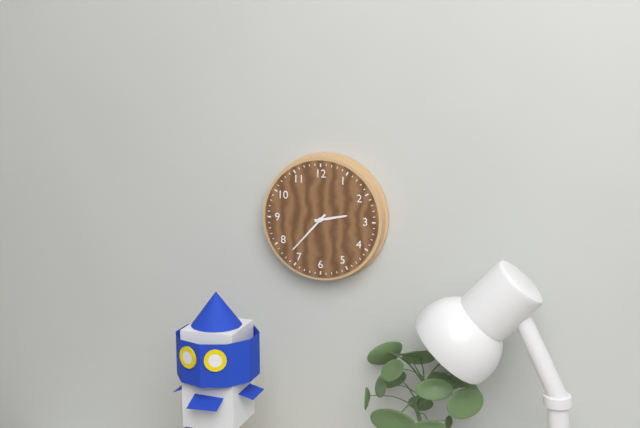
{"hour": 2, "minute": 37}
